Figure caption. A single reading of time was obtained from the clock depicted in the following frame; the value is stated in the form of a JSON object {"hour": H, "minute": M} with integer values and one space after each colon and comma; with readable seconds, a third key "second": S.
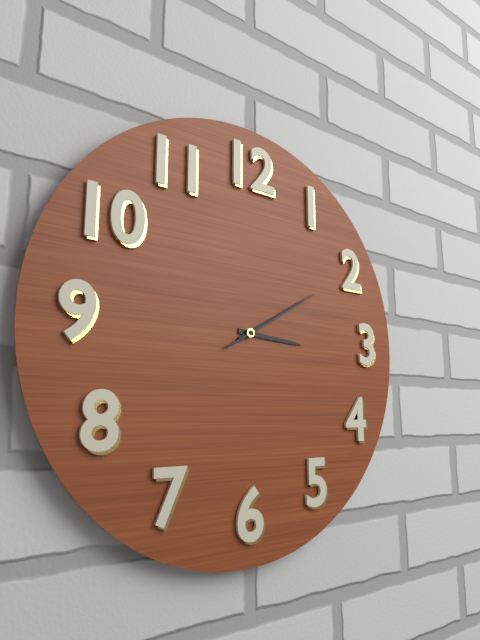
{"hour": 3, "minute": 10, "second": 10}
